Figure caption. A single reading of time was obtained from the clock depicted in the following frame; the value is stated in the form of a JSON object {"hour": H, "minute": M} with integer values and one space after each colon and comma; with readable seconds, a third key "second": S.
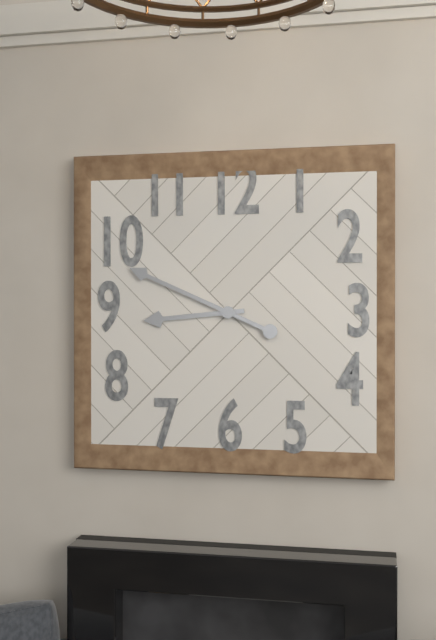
{"hour": 8, "minute": 49}
